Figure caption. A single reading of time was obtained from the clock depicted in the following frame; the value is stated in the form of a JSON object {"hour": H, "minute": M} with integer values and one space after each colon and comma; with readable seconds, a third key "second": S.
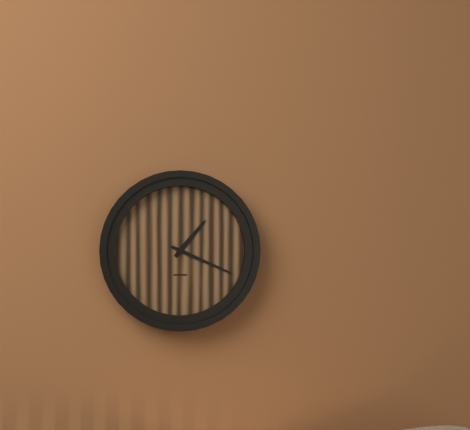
{"hour": 1, "minute": 19}
